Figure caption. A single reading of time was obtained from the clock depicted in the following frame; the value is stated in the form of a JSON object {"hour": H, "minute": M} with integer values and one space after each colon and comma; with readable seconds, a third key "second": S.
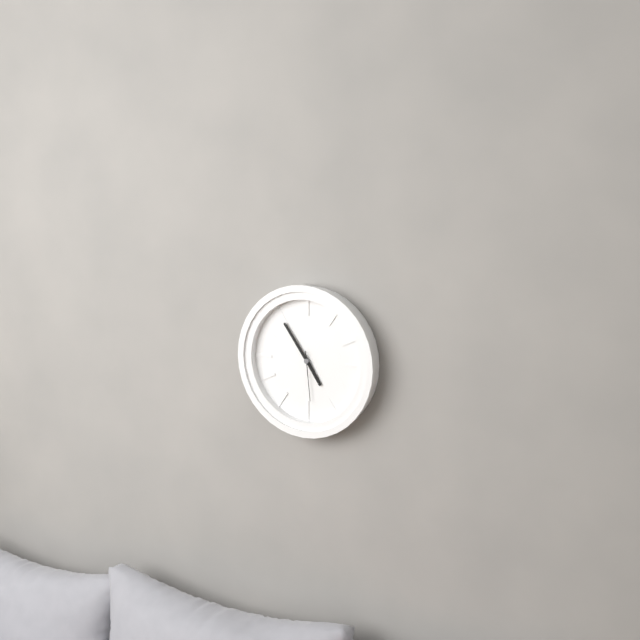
{"hour": 4, "minute": 54, "second": 29}
